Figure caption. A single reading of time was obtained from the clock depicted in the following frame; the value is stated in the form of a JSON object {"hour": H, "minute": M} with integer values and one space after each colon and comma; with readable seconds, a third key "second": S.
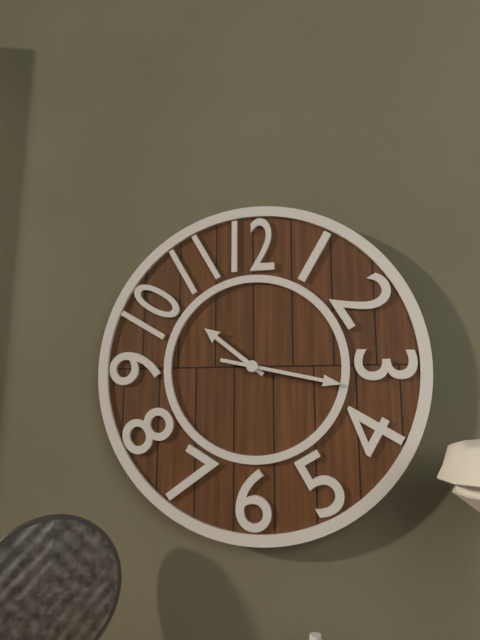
{"hour": 10, "minute": 17}
